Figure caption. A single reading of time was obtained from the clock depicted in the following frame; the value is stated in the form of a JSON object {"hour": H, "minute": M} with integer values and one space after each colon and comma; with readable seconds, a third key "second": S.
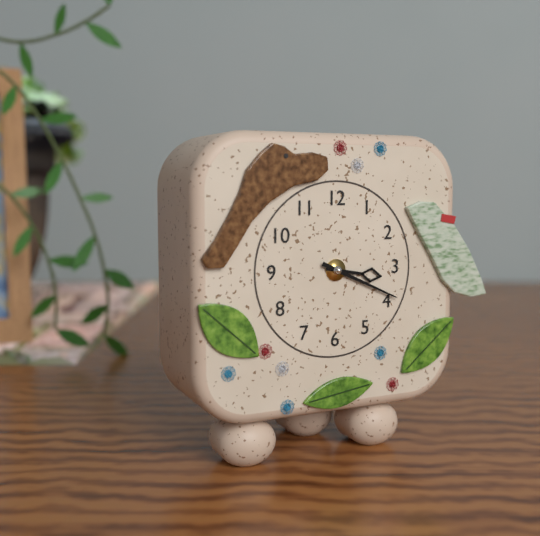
{"hour": 3, "minute": 19}
